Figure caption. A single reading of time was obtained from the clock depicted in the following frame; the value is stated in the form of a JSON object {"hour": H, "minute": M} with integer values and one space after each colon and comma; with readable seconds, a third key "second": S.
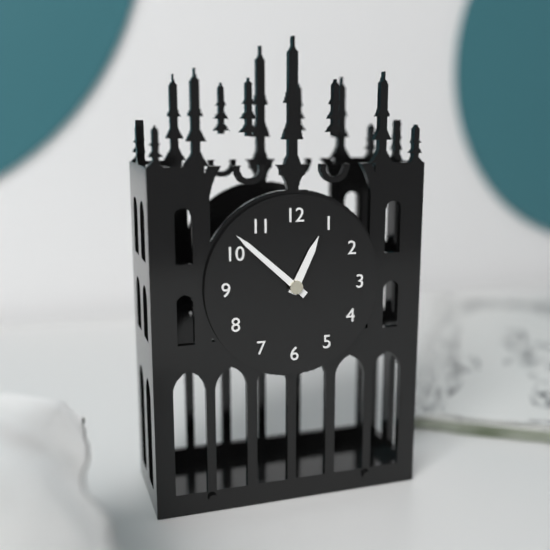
{"hour": 12, "minute": 52}
